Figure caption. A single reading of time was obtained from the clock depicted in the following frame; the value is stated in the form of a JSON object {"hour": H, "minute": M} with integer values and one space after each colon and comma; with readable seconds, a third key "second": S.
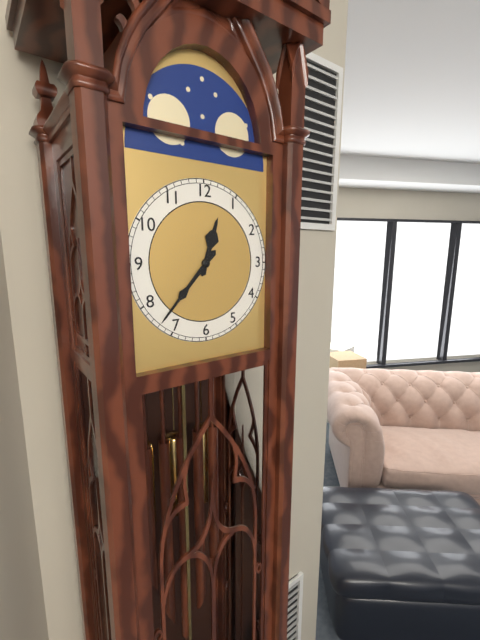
{"hour": 12, "minute": 37}
